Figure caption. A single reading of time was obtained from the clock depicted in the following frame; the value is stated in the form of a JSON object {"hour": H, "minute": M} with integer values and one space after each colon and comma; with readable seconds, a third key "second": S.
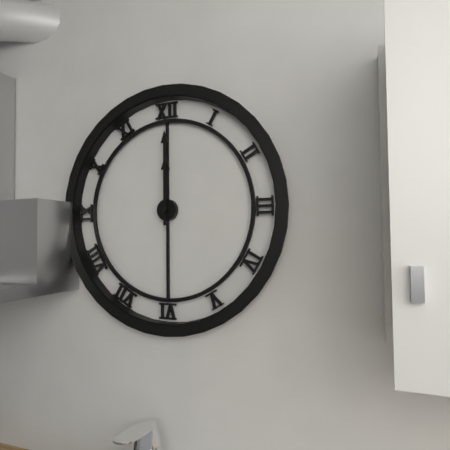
{"hour": 12, "minute": 0}
